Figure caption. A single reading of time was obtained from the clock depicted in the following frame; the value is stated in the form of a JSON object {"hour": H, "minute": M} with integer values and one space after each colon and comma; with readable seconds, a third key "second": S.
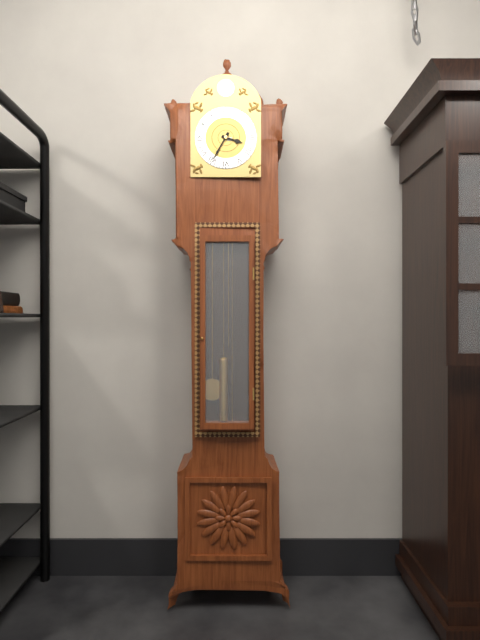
{"hour": 3, "minute": 35}
